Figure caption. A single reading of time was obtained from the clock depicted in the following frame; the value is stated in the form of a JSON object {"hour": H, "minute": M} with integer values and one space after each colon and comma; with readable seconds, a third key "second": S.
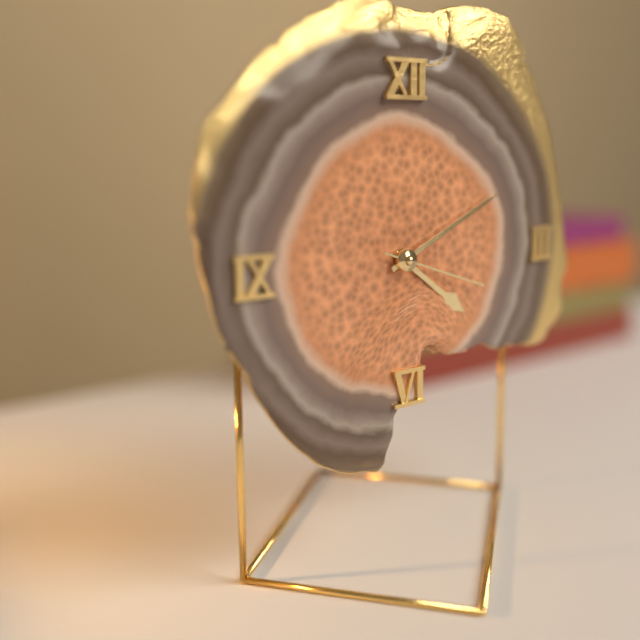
{"hour": 4, "minute": 11, "second": 18}
